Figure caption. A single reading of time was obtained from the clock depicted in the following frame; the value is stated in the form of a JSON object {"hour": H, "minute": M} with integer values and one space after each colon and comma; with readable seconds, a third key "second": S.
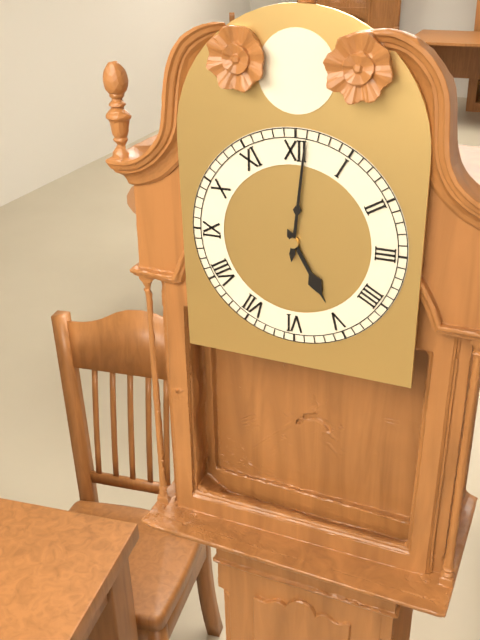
{"hour": 5, "minute": 1}
